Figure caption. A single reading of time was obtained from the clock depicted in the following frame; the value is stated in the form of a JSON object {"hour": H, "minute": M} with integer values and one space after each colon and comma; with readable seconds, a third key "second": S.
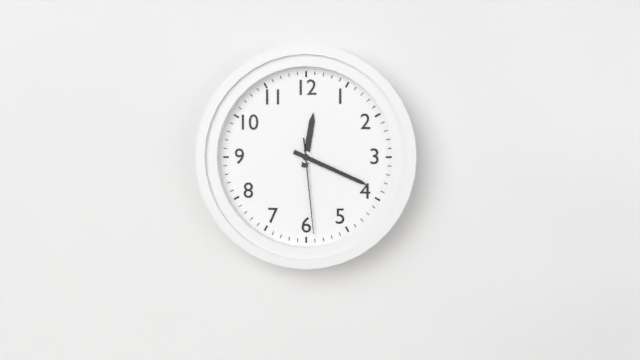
{"hour": 12, "minute": 19, "second": 29}
